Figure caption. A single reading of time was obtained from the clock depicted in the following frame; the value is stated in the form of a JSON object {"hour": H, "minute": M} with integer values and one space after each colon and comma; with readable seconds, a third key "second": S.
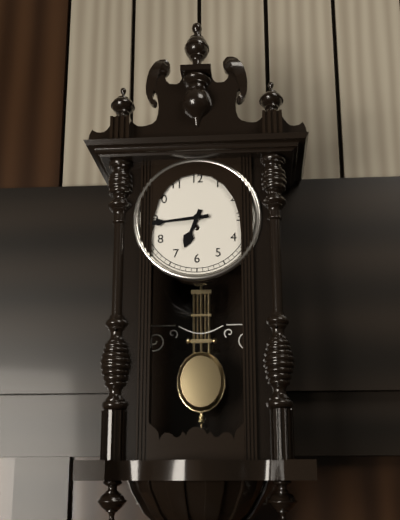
{"hour": 6, "minute": 44}
